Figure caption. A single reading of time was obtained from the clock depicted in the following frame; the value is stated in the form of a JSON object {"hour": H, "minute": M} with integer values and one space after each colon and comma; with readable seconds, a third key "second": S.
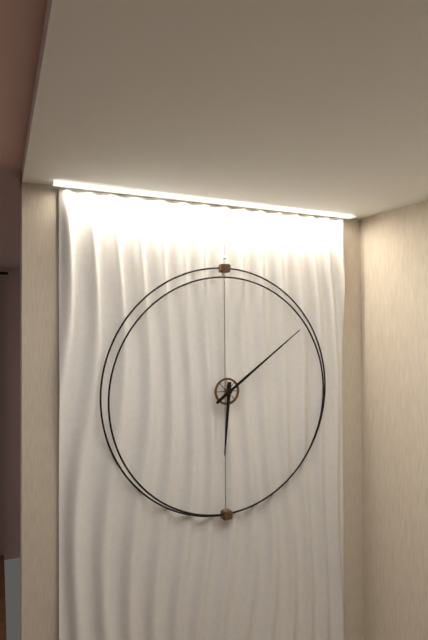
{"hour": 6, "minute": 9}
